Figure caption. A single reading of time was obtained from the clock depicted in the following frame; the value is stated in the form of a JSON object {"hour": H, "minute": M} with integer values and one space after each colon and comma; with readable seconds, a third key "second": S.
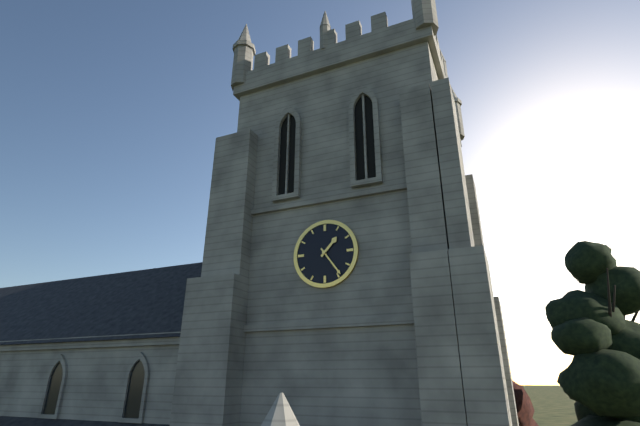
{"hour": 1, "minute": 24}
